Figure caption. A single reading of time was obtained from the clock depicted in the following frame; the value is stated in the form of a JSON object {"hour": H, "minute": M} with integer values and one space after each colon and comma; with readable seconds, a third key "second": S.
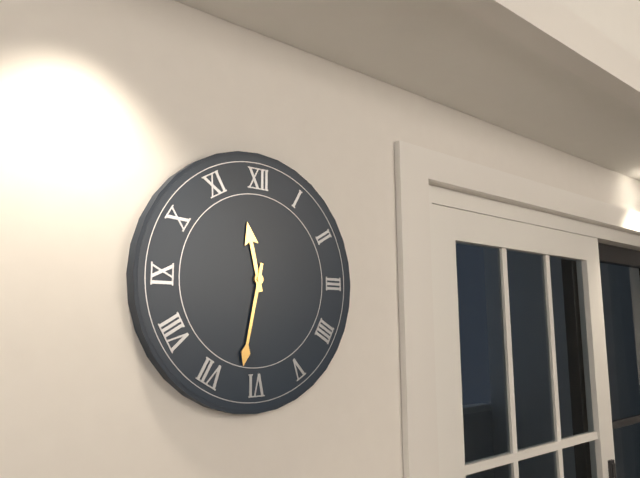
{"hour": 11, "minute": 32}
